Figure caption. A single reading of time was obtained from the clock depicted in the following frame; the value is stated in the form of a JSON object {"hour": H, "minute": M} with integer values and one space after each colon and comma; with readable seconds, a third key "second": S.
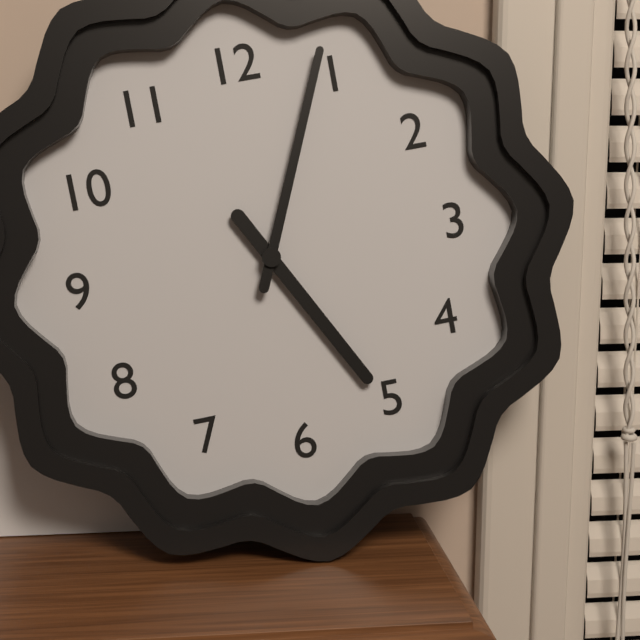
{"hour": 5, "minute": 4}
